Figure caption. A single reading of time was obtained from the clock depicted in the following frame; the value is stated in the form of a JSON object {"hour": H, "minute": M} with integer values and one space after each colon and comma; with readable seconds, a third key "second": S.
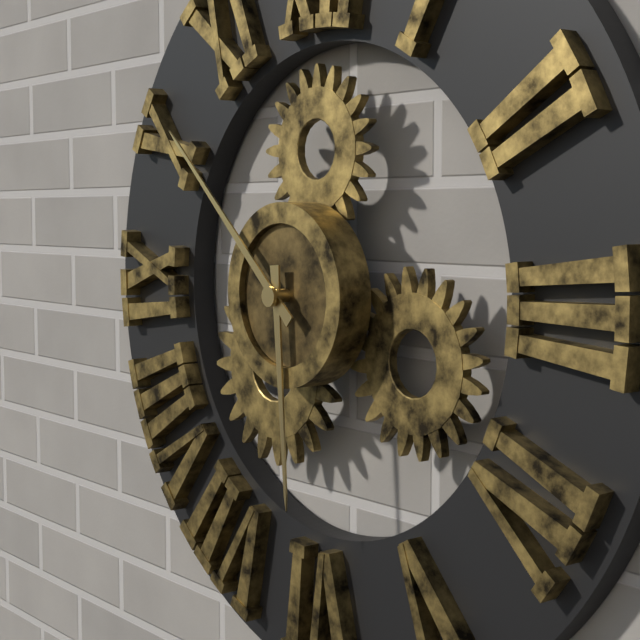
{"hour": 5, "minute": 52}
